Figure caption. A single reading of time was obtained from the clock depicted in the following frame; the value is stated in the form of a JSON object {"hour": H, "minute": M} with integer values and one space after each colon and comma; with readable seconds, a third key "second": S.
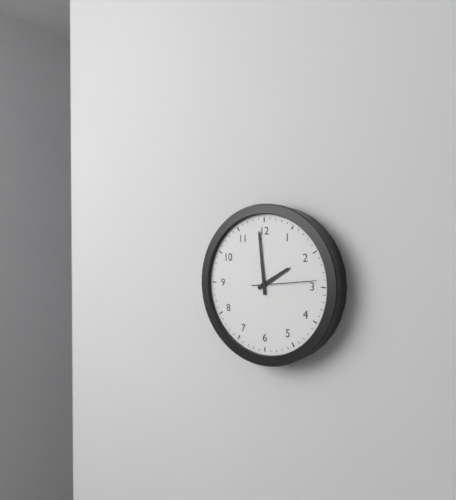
{"hour": 1, "minute": 59, "second": 14}
